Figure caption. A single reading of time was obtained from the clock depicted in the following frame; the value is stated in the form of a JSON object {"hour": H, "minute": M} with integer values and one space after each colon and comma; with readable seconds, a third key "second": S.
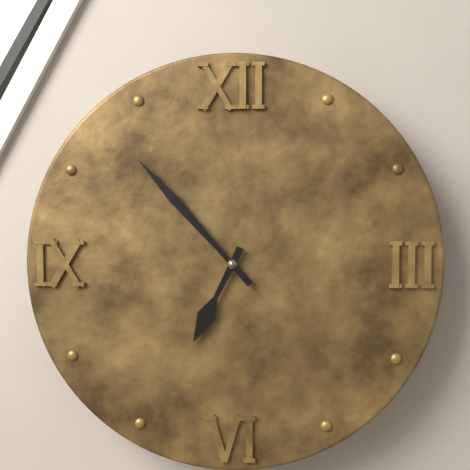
{"hour": 6, "minute": 53}
